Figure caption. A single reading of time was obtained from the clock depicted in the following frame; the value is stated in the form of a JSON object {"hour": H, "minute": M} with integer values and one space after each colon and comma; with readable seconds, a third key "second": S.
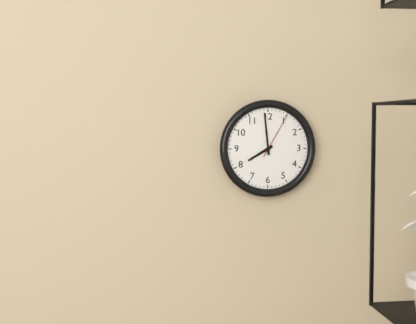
{"hour": 7, "minute": 59}
